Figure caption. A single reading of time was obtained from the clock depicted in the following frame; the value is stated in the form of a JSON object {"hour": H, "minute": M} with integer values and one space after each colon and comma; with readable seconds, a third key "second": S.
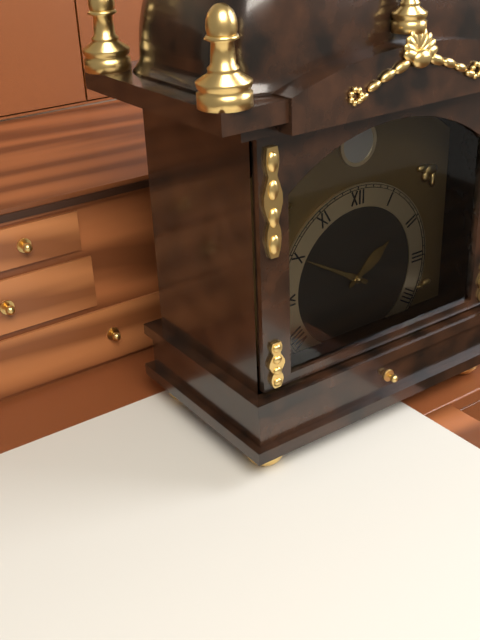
{"hour": 1, "minute": 50}
